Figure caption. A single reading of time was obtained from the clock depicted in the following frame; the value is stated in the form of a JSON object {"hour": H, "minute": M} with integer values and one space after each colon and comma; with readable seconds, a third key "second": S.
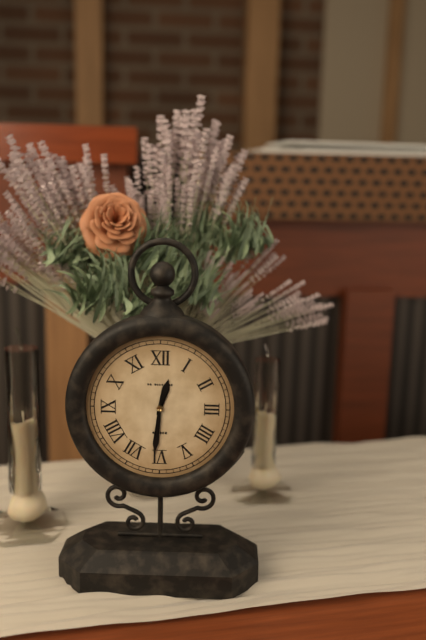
{"hour": 12, "minute": 31}
